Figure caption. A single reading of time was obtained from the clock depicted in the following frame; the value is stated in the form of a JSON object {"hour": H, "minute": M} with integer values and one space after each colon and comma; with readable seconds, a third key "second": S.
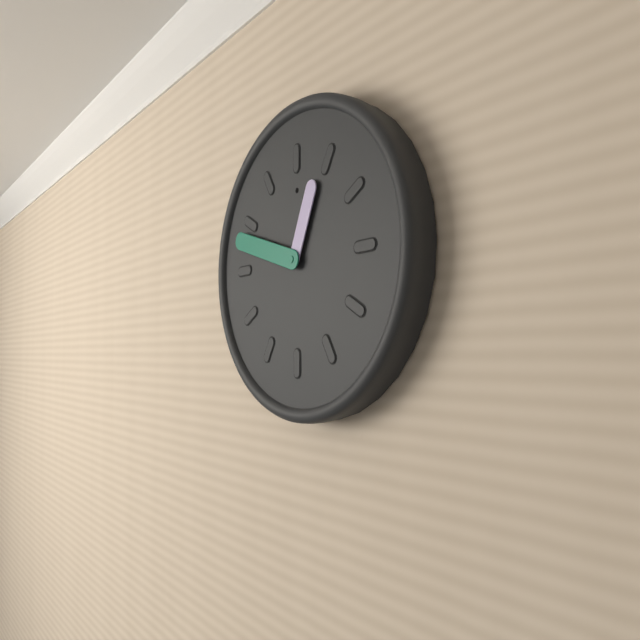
{"hour": 12, "minute": 48}
